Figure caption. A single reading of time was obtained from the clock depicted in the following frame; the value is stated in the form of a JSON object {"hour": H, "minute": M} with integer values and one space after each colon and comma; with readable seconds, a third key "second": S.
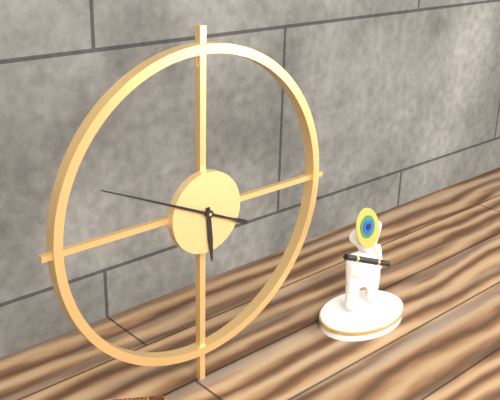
{"hour": 5, "minute": 49}
